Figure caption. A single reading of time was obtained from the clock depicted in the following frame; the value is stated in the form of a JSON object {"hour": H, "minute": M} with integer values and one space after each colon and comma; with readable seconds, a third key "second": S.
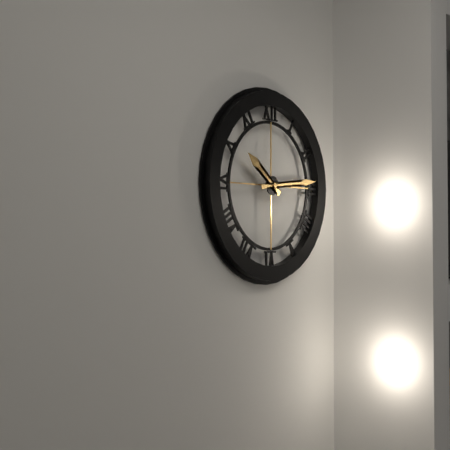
{"hour": 10, "minute": 14}
